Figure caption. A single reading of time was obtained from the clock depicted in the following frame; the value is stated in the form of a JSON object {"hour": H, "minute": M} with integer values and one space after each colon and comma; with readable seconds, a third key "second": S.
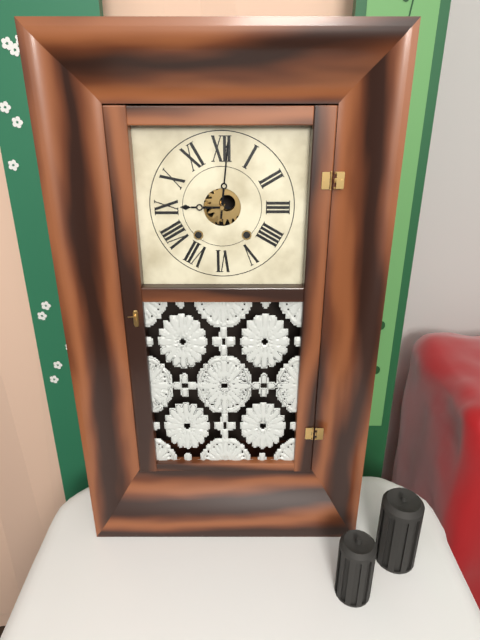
{"hour": 9, "minute": 1}
